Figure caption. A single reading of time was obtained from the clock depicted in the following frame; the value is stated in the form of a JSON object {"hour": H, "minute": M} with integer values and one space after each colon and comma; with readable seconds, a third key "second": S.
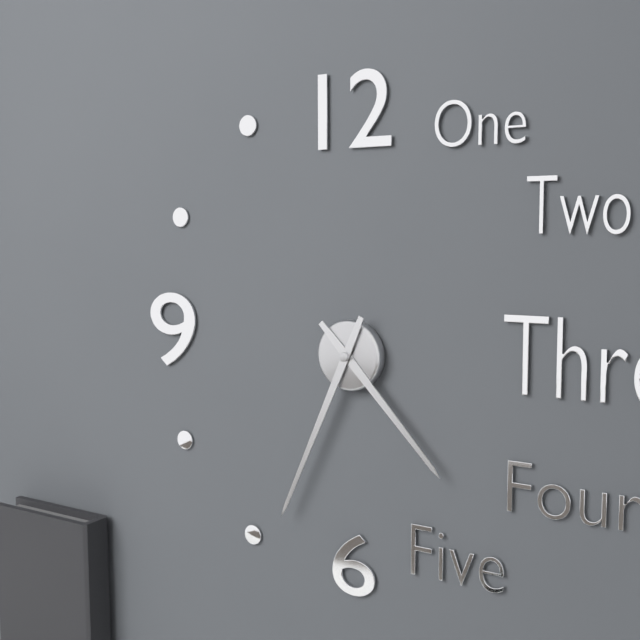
{"hour": 4, "minute": 34}
